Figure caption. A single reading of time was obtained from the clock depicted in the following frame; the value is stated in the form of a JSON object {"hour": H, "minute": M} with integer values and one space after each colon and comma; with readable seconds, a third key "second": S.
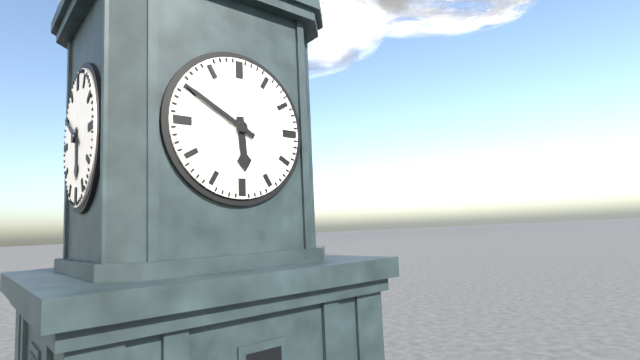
{"hour": 5, "minute": 50}
